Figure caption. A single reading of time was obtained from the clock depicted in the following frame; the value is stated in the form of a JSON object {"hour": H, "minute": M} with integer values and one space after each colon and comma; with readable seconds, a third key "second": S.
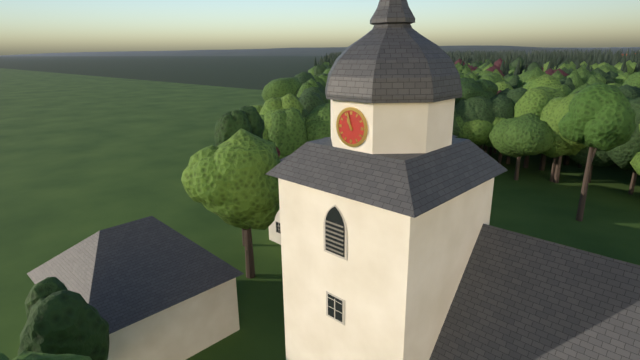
{"hour": 10, "minute": 57}
